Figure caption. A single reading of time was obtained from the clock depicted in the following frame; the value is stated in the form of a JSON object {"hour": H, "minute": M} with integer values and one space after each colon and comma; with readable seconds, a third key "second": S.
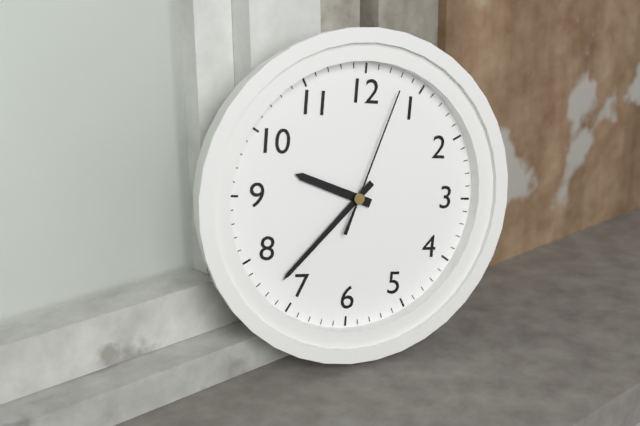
{"hour": 9, "minute": 37, "second": 3}
